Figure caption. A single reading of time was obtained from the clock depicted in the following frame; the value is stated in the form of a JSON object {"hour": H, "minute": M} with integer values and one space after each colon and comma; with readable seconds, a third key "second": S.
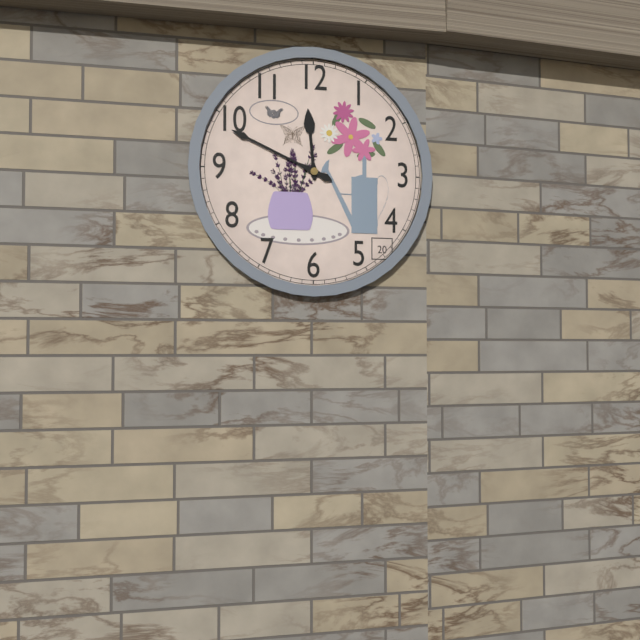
{"hour": 11, "minute": 49}
